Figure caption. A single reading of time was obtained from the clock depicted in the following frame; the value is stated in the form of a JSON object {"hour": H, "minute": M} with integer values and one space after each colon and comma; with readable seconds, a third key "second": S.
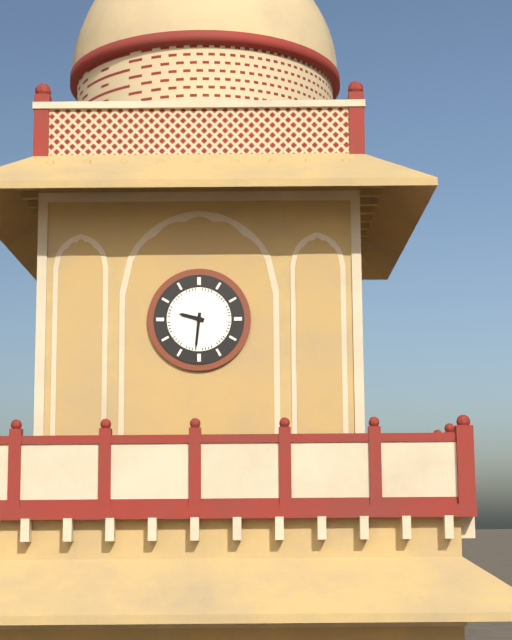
{"hour": 9, "minute": 31}
